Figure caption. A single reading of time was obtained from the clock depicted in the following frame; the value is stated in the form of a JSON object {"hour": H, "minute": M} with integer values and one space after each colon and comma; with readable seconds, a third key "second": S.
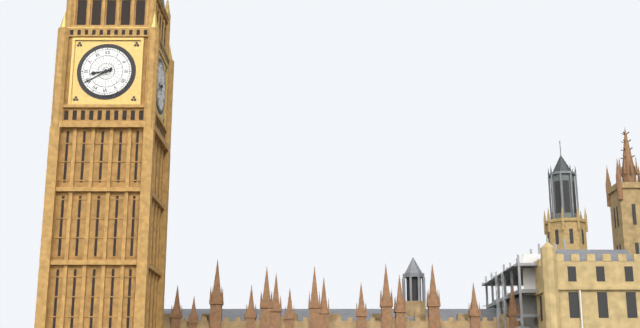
{"hour": 8, "minute": 40}
